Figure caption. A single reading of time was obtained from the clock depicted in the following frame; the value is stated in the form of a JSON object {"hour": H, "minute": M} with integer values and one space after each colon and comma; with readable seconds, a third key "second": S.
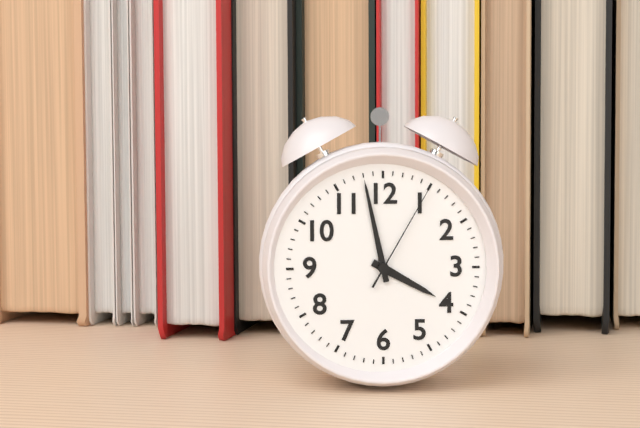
{"hour": 3, "minute": 58, "second": 5}
